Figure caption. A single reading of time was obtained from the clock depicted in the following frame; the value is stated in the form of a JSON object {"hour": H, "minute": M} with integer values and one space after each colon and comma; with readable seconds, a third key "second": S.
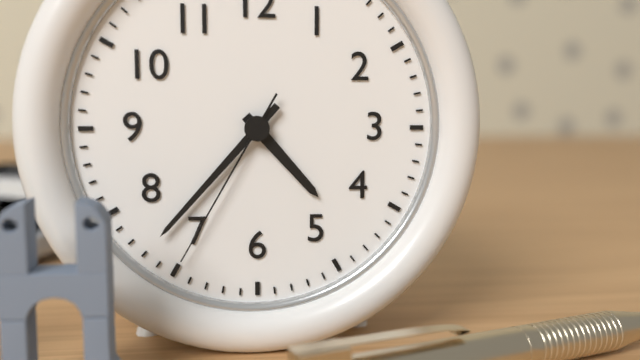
{"hour": 4, "minute": 37, "second": 35}
